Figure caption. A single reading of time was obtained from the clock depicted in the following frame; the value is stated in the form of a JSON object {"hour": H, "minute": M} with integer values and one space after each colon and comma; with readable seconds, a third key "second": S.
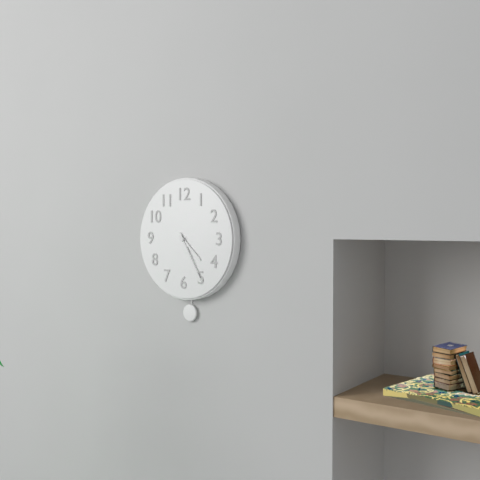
{"hour": 4, "minute": 25}
